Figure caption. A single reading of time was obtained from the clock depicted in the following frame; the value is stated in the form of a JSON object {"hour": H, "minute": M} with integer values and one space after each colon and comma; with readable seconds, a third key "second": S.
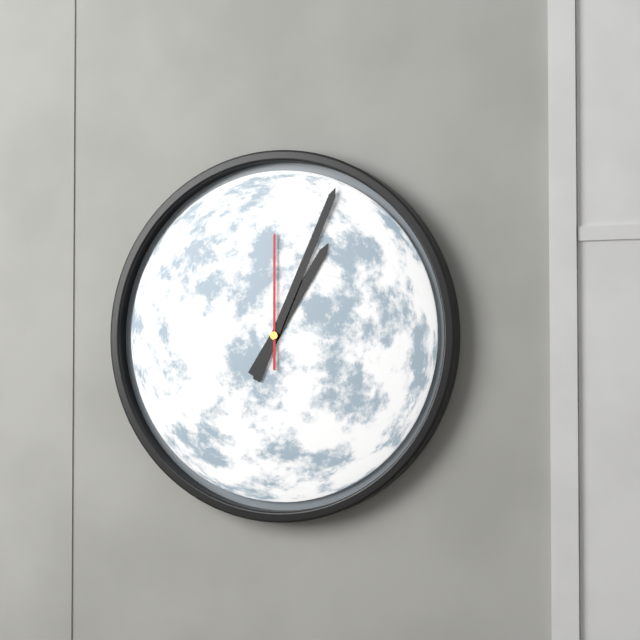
{"hour": 1, "minute": 4, "second": 0}
